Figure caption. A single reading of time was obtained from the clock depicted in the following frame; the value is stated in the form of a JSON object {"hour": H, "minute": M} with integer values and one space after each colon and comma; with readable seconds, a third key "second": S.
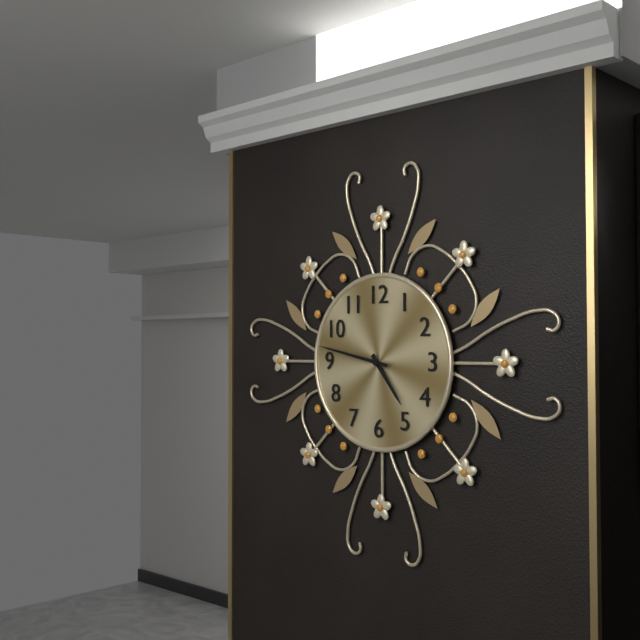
{"hour": 4, "minute": 47}
